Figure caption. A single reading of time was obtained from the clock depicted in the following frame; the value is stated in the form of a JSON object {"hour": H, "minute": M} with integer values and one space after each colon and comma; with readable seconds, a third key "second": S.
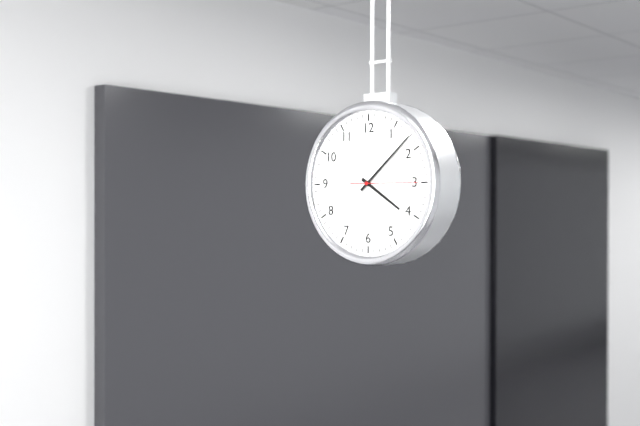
{"hour": 4, "minute": 8, "second": 15}
